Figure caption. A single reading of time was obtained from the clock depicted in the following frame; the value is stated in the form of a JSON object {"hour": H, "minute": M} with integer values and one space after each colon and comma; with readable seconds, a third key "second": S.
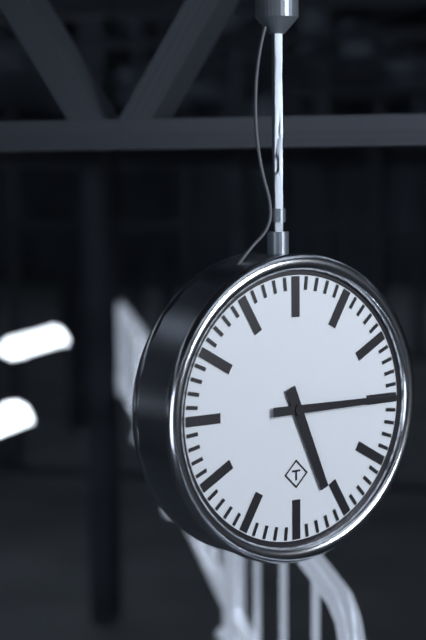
{"hour": 5, "minute": 15}
